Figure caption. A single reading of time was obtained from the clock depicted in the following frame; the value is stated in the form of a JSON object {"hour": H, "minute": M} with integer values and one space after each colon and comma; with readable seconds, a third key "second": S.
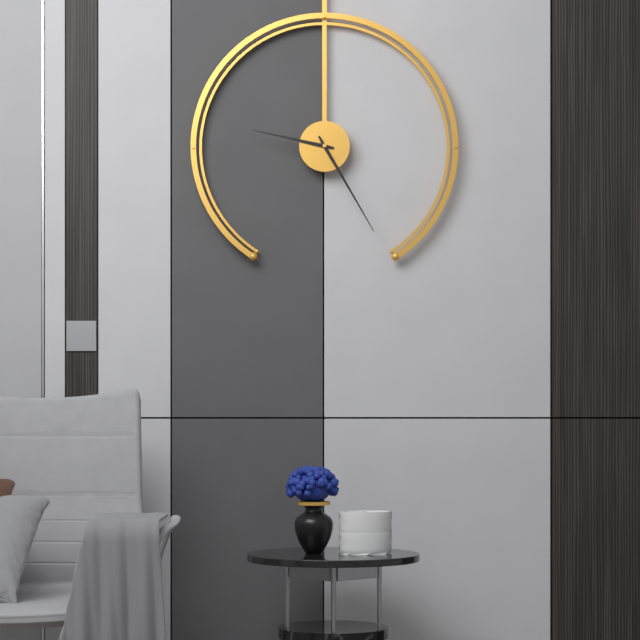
{"hour": 9, "minute": 25}
